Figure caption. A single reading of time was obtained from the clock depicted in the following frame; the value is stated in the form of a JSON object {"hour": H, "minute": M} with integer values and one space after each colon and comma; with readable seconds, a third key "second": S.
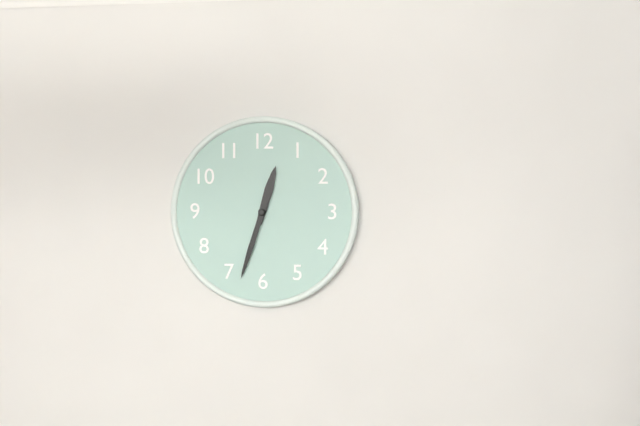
{"hour": 12, "minute": 33}
